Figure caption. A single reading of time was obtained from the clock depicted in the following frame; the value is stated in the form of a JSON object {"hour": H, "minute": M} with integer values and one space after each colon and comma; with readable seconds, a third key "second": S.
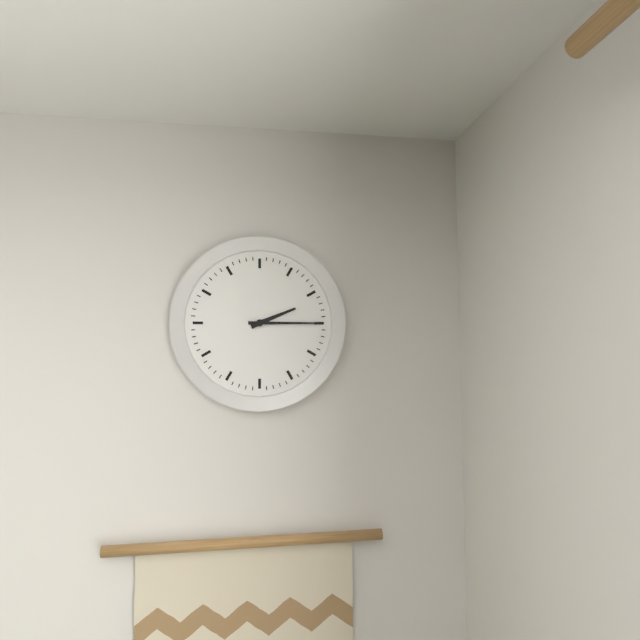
{"hour": 2, "minute": 15}
